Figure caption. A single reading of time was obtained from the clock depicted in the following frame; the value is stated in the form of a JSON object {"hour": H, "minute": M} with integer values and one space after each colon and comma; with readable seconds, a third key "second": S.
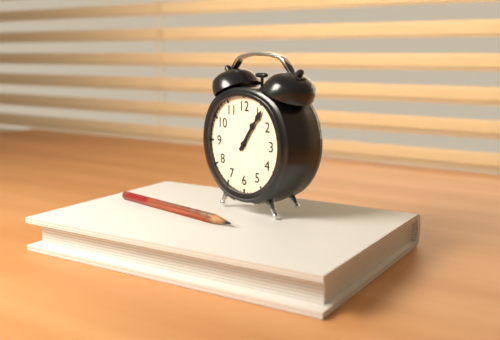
{"hour": 1, "minute": 6}
